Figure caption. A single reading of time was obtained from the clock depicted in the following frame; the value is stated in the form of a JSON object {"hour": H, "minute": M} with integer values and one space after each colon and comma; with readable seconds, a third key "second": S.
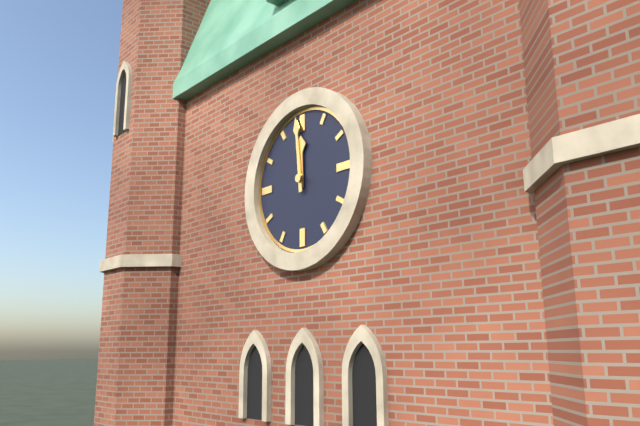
{"hour": 11, "minute": 59}
